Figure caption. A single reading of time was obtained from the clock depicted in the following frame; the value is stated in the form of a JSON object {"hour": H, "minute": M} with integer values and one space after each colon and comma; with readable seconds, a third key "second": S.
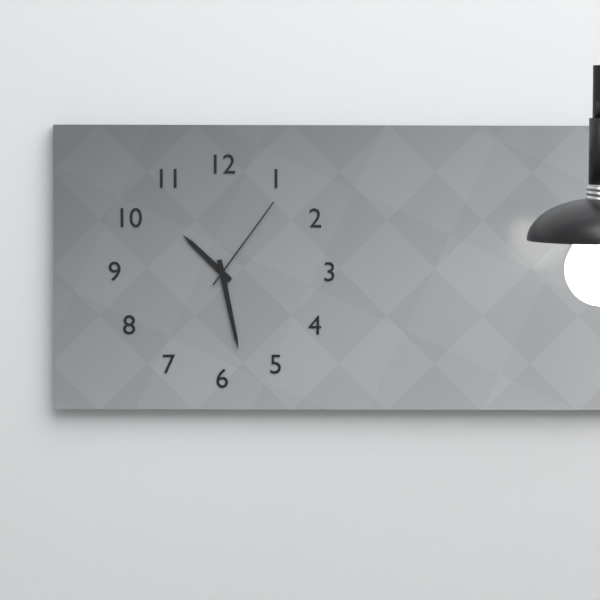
{"hour": 10, "minute": 28, "second": 6}
